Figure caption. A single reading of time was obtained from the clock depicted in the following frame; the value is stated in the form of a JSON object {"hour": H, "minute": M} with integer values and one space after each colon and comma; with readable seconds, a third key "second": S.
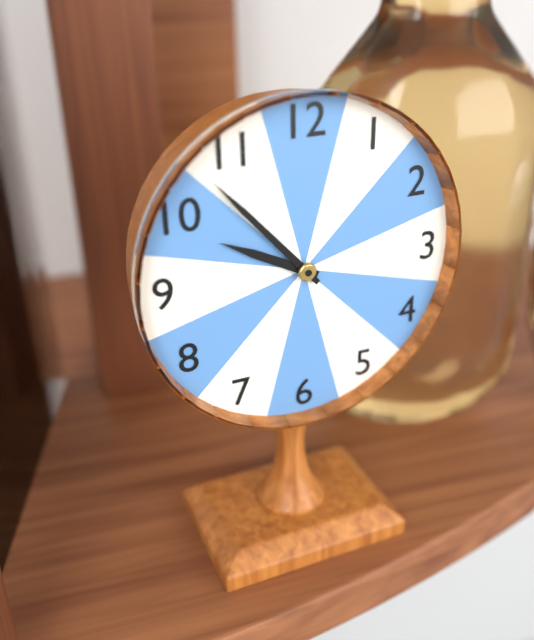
{"hour": 9, "minute": 53}
